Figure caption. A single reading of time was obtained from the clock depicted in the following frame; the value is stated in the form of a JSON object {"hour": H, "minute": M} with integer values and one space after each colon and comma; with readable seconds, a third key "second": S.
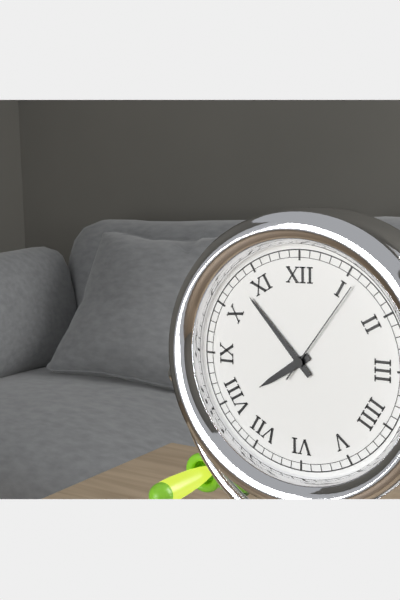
{"hour": 7, "minute": 53, "second": 6}
